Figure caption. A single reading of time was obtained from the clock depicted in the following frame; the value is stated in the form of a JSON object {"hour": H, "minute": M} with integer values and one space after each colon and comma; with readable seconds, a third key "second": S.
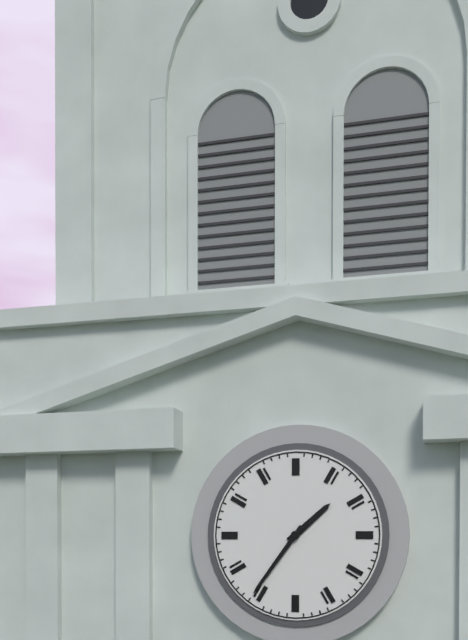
{"hour": 1, "minute": 36}
